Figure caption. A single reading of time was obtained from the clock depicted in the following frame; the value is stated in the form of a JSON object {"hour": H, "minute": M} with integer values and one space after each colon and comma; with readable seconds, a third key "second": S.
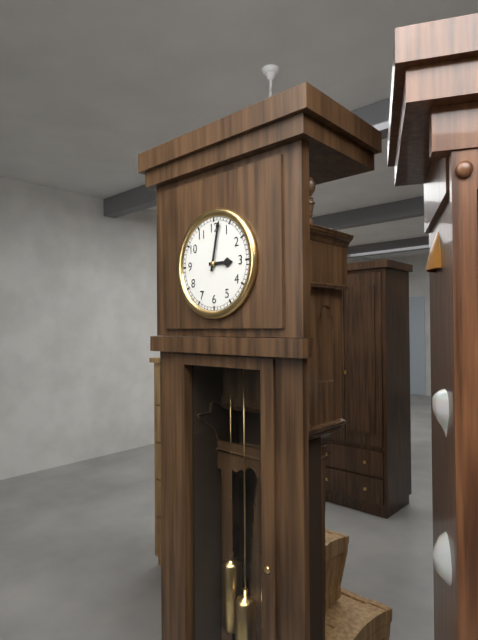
{"hour": 3, "minute": 2}
